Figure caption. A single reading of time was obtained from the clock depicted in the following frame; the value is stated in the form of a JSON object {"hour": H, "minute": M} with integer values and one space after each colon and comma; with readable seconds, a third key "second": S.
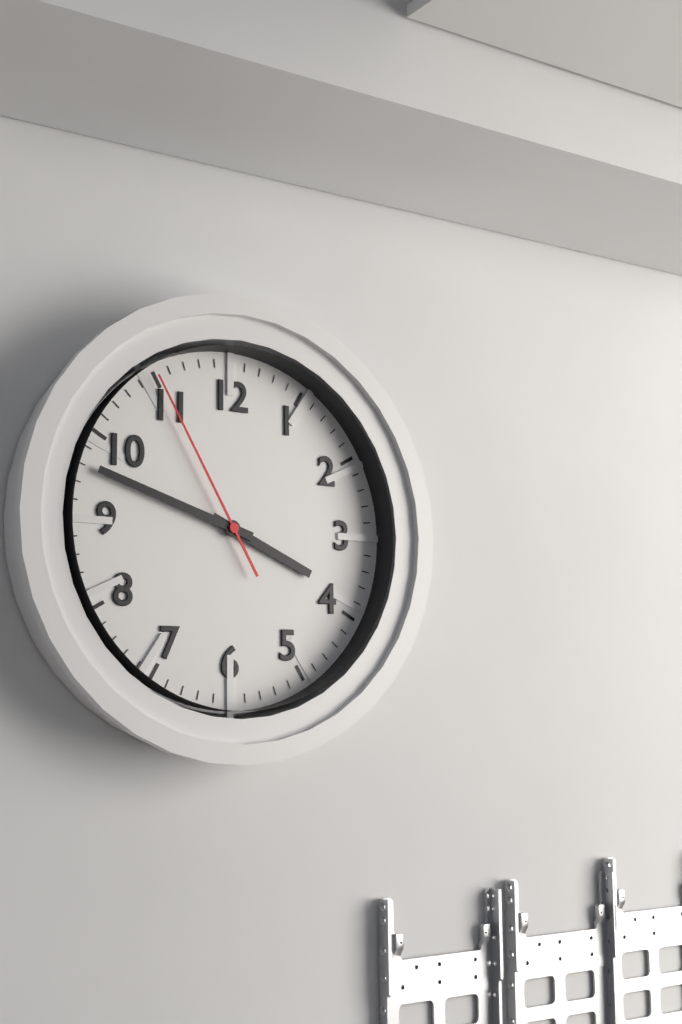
{"hour": 3, "minute": 48, "second": 55}
